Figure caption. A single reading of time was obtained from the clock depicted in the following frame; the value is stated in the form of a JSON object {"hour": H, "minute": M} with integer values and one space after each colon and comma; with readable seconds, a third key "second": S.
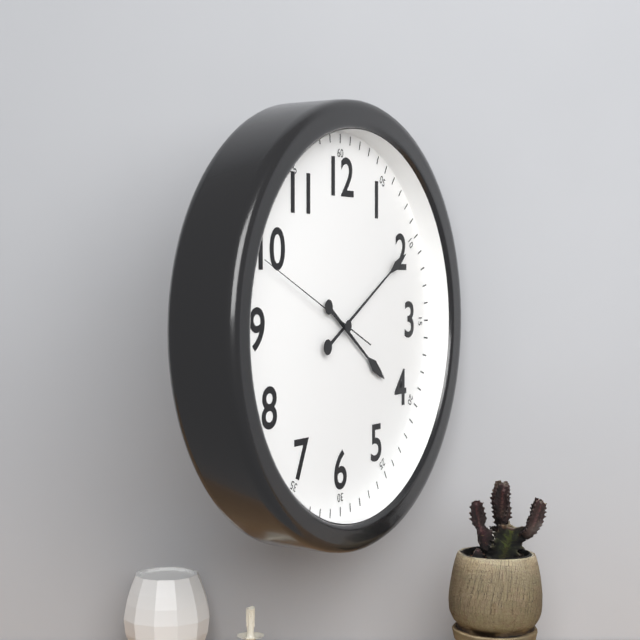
{"hour": 4, "minute": 10, "second": 49}
